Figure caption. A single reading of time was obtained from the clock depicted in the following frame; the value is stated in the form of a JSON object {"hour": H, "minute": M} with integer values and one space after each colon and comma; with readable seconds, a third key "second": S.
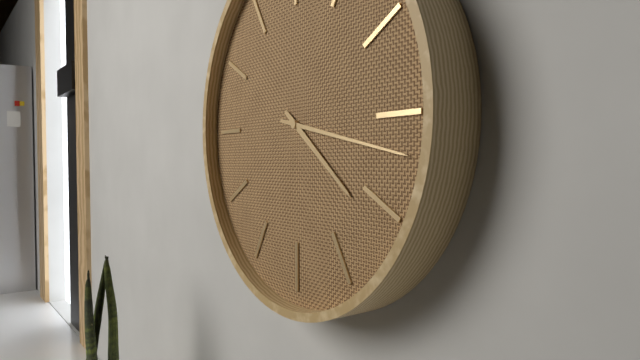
{"hour": 4, "minute": 17}
